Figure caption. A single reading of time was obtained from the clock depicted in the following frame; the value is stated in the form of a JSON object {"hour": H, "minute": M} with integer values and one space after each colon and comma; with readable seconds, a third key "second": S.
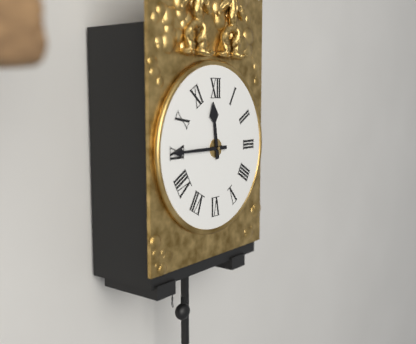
{"hour": 11, "minute": 45}
